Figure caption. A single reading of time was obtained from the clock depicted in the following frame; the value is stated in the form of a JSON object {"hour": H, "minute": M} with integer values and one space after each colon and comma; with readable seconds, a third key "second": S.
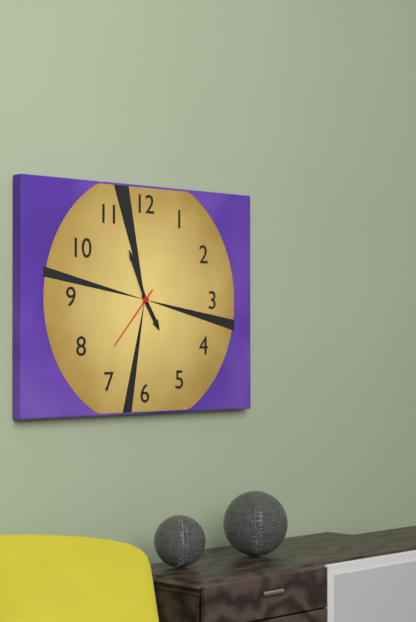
{"hour": 4, "minute": 56, "second": 37}
